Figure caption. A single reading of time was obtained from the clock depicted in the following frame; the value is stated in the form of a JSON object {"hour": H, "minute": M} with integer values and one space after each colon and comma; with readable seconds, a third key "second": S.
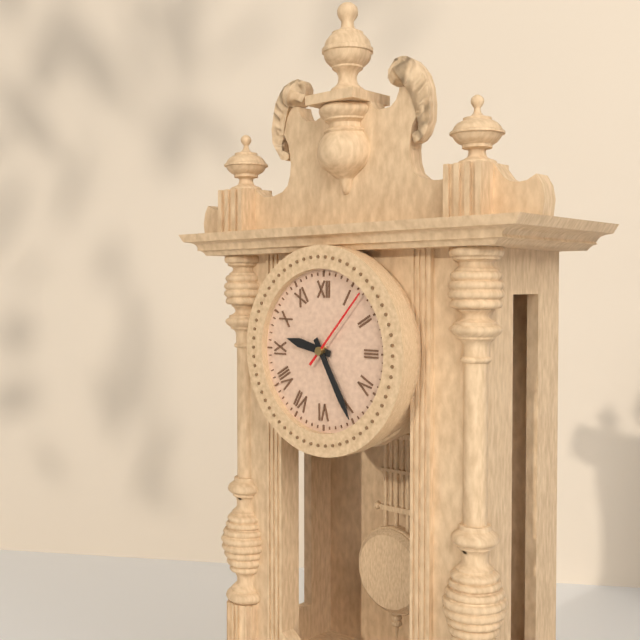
{"hour": 9, "minute": 25, "second": 7}
